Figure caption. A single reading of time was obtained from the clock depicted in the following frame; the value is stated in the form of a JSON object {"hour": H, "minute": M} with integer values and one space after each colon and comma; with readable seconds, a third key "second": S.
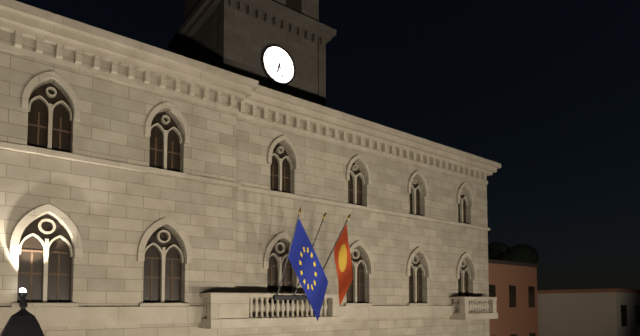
{"hour": 6, "minute": 27}
